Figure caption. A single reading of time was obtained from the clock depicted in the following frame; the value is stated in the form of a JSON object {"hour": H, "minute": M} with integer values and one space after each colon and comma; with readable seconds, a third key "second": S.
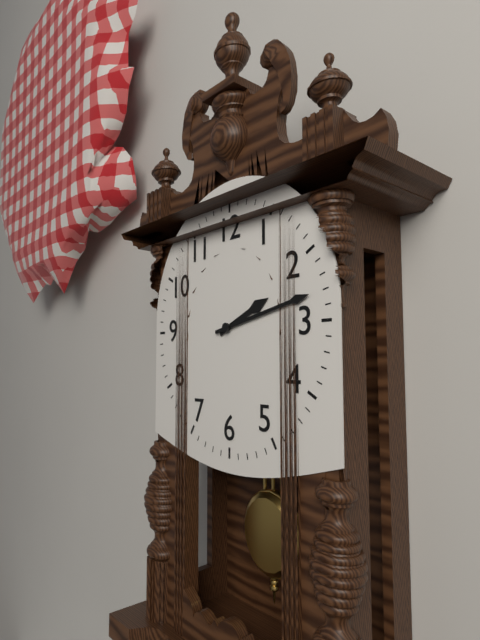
{"hour": 2, "minute": 13}
